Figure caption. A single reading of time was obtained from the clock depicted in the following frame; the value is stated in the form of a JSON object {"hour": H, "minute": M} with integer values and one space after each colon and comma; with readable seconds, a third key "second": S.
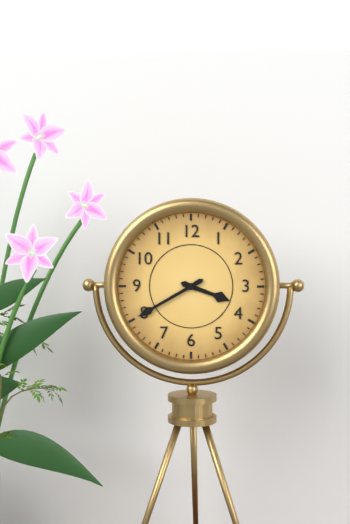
{"hour": 3, "minute": 40}
